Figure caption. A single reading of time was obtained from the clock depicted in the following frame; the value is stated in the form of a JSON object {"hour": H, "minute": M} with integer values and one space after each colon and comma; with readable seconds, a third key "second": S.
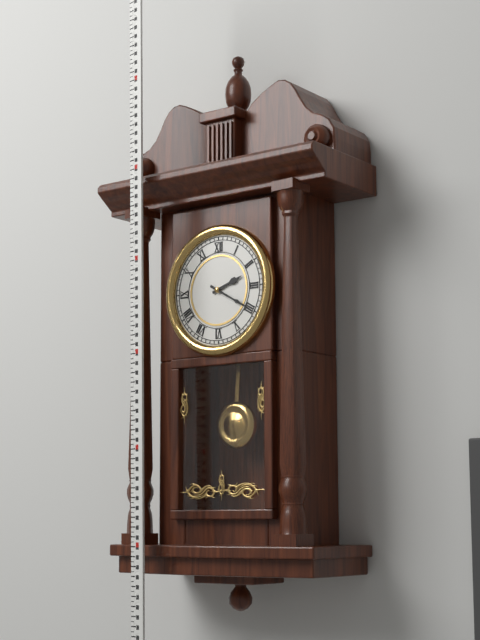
{"hour": 2, "minute": 20}
